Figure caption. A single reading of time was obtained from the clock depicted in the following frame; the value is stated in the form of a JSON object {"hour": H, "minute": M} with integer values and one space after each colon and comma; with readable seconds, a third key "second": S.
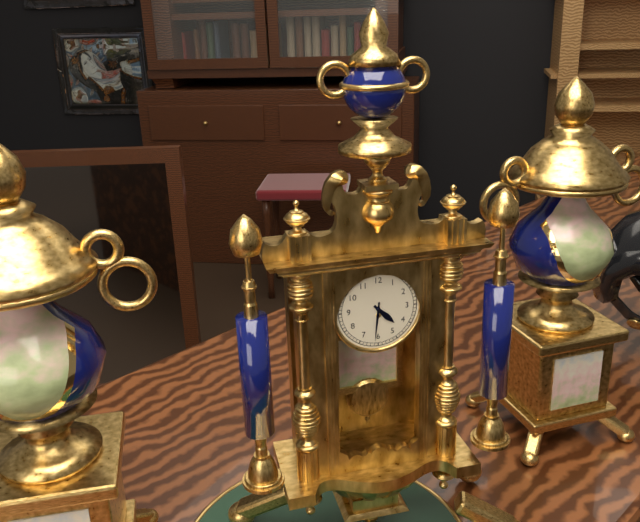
{"hour": 4, "minute": 31}
